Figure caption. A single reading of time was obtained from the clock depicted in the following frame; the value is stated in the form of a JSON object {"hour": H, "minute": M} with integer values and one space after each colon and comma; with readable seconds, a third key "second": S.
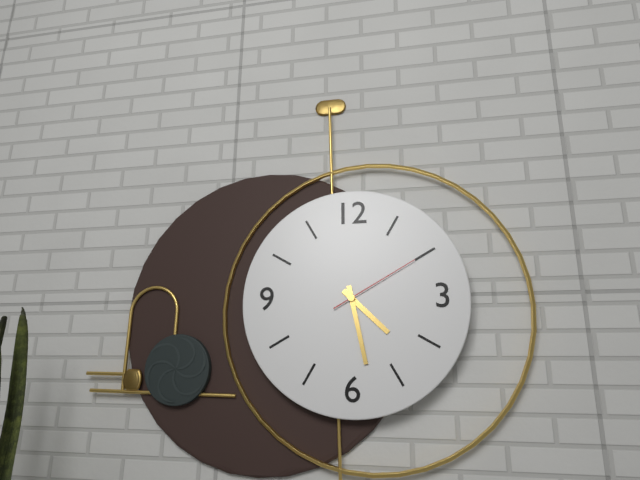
{"hour": 4, "minute": 28, "second": 10}
